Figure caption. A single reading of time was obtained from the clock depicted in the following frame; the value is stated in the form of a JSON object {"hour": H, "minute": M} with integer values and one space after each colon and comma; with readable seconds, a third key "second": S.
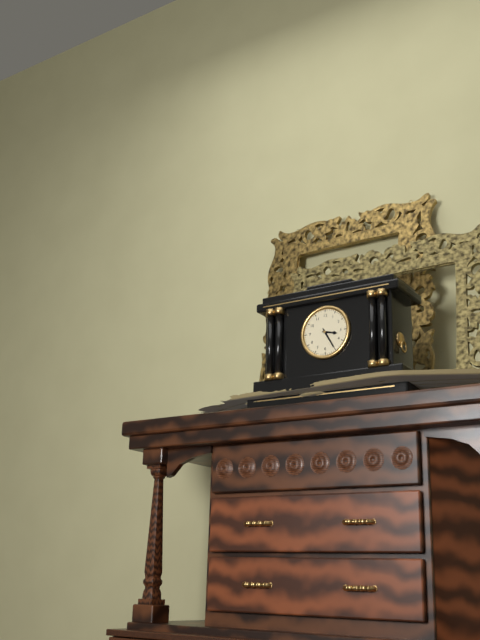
{"hour": 3, "minute": 25}
